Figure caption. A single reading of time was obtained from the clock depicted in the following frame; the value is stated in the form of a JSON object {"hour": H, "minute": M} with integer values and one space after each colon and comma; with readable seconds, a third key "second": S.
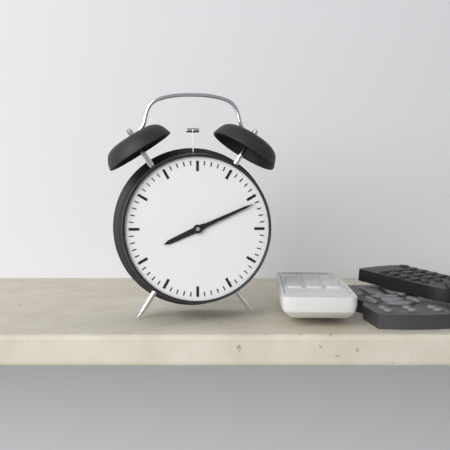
{"hour": 8, "minute": 11}
